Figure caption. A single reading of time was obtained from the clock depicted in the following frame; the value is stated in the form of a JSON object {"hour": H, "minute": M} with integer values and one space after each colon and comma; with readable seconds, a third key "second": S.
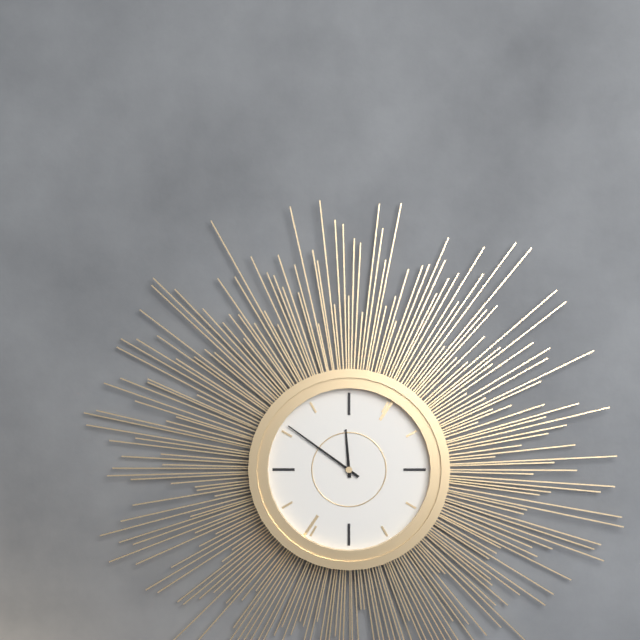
{"hour": 11, "minute": 51}
